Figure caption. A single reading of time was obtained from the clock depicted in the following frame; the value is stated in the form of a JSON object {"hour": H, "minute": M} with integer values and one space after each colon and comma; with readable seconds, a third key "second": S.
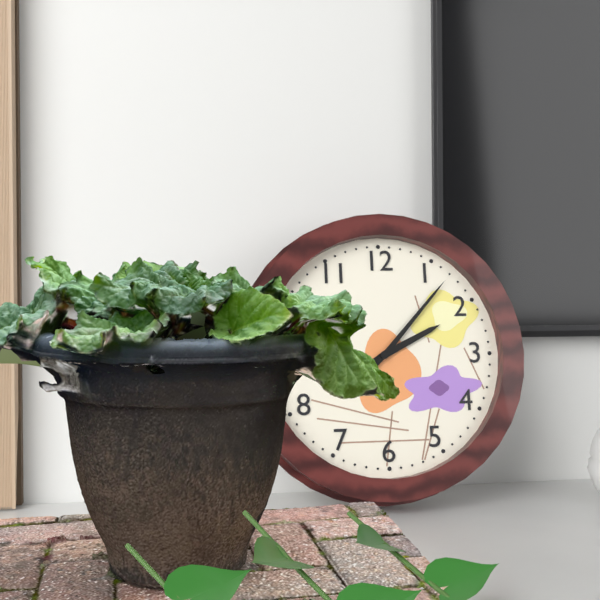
{"hour": 2, "minute": 7}
